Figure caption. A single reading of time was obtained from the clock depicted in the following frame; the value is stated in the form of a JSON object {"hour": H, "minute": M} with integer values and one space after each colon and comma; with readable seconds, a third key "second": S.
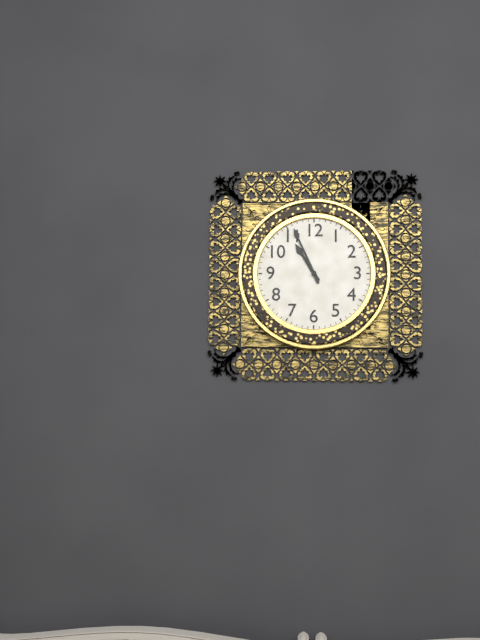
{"hour": 10, "minute": 56}
